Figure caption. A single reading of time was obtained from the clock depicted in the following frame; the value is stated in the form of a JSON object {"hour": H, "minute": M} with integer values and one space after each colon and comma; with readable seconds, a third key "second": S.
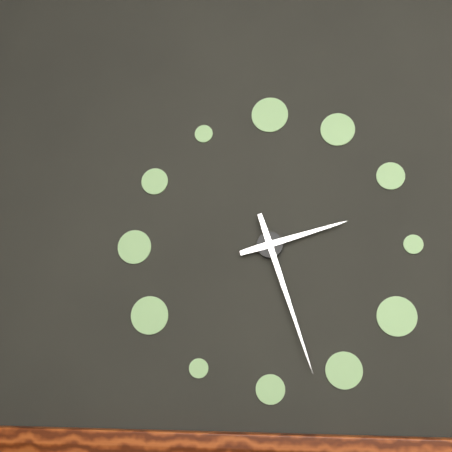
{"hour": 2, "minute": 27}
